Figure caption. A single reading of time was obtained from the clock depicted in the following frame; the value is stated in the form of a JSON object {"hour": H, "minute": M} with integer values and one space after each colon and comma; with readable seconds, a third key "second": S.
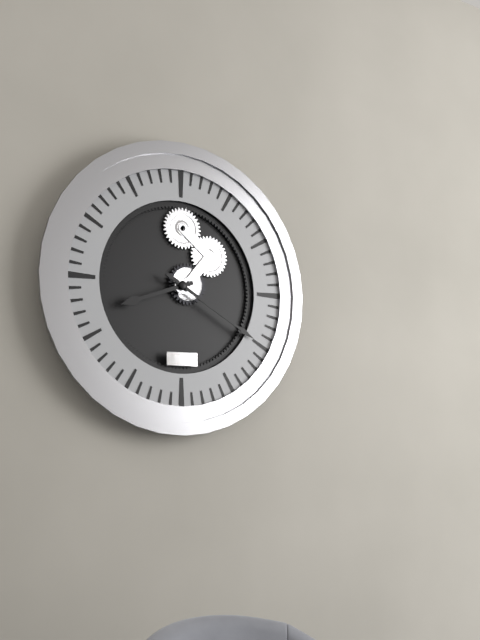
{"hour": 8, "minute": 20}
